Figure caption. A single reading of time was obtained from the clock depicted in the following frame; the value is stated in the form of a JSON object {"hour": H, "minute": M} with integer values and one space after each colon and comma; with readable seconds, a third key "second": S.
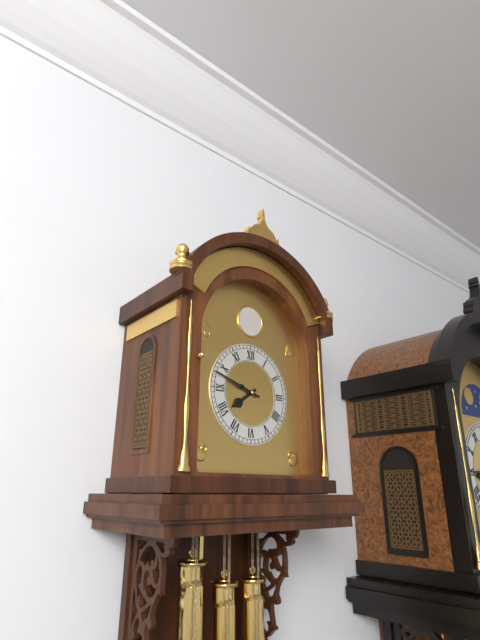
{"hour": 7, "minute": 48}
